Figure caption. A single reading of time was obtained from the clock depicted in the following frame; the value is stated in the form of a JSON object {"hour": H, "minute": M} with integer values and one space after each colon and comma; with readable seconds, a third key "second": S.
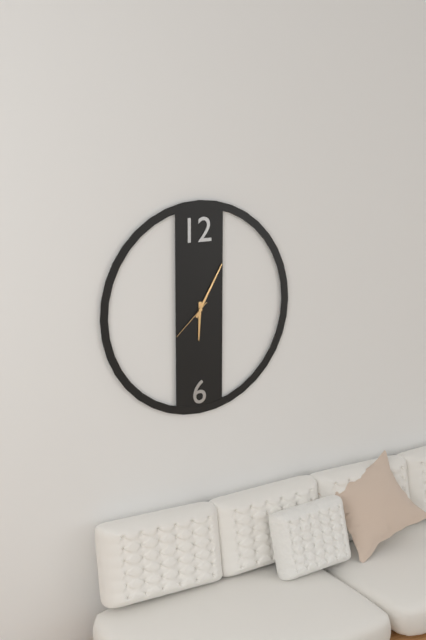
{"hour": 6, "minute": 5}
